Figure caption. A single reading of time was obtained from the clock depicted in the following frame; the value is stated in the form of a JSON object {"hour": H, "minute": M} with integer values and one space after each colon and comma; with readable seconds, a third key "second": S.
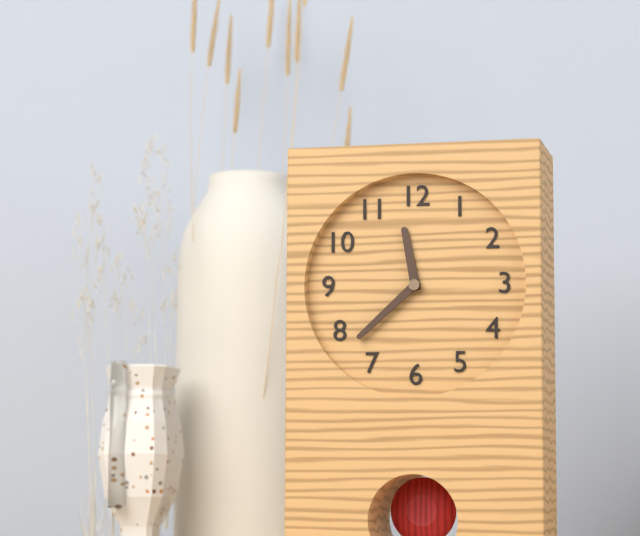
{"hour": 11, "minute": 38}
